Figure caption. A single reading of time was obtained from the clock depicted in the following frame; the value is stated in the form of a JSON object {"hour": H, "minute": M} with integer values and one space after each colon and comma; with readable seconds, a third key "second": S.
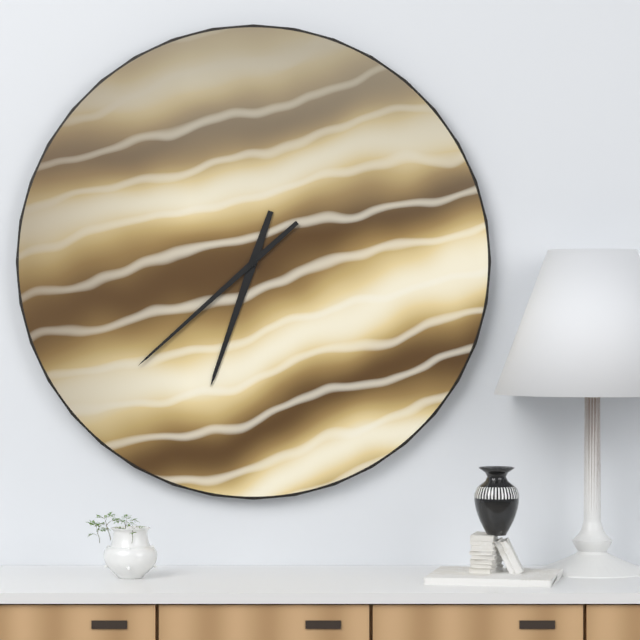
{"hour": 6, "minute": 38}
